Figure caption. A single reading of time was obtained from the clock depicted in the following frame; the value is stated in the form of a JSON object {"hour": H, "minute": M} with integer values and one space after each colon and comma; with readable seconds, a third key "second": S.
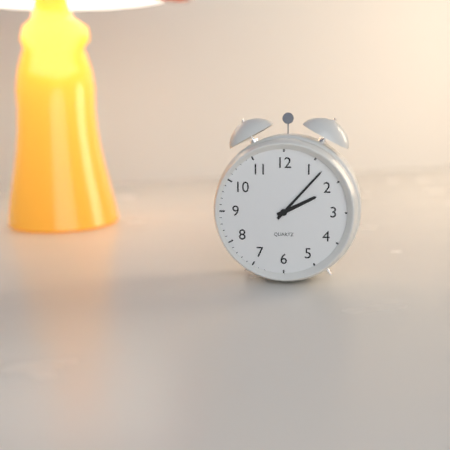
{"hour": 2, "minute": 7}
